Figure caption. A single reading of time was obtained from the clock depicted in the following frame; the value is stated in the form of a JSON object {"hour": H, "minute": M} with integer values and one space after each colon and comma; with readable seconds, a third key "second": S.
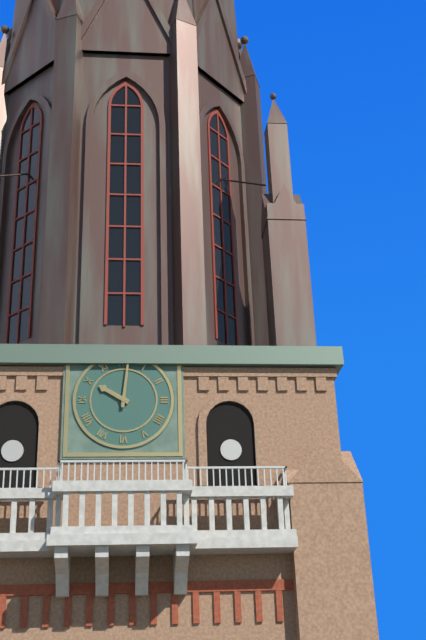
{"hour": 10, "minute": 1}
